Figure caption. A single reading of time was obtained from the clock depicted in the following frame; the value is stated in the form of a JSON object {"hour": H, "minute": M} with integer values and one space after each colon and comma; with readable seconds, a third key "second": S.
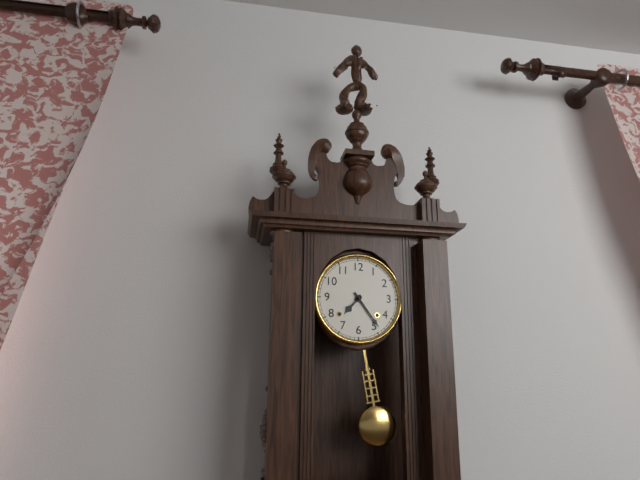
{"hour": 7, "minute": 24}
